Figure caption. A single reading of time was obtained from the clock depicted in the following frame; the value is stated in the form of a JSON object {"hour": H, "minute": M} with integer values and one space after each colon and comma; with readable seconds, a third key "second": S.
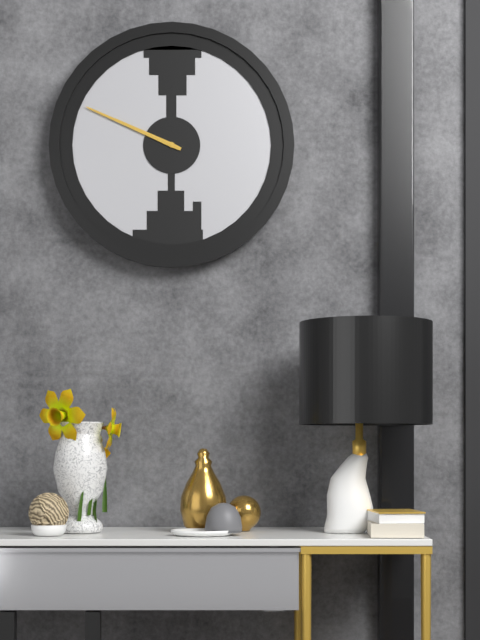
{"hour": 9, "minute": 49}
